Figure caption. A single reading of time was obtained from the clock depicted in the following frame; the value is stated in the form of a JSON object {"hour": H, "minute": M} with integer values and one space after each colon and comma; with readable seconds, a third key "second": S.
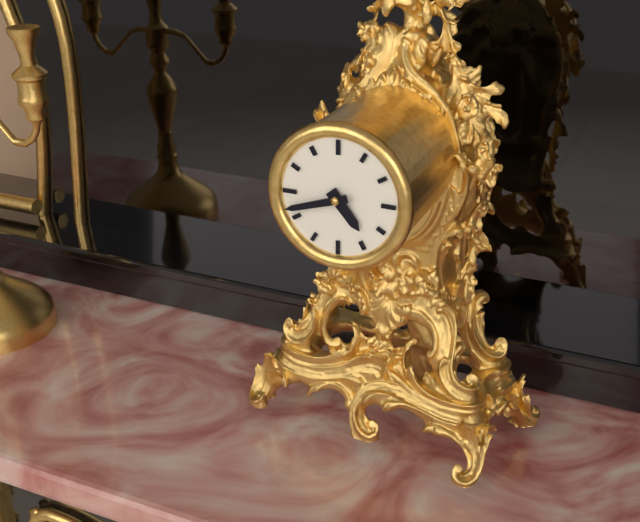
{"hour": 4, "minute": 42}
